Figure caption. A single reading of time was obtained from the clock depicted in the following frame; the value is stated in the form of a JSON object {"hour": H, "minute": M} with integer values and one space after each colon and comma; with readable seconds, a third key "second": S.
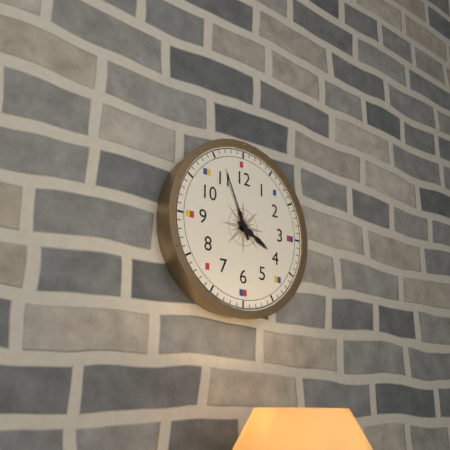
{"hour": 3, "minute": 56}
